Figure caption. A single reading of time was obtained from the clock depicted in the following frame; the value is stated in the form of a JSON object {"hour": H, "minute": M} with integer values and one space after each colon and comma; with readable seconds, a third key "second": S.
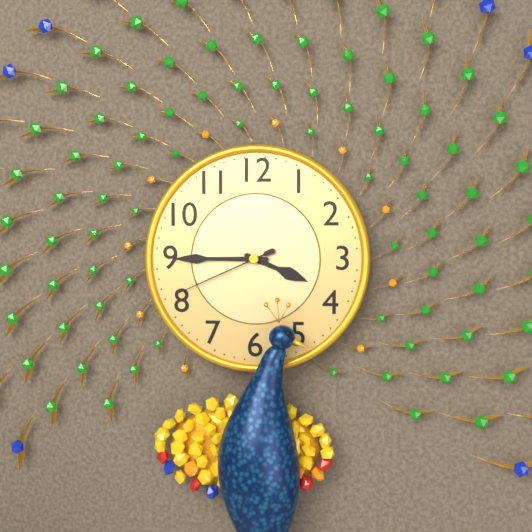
{"hour": 3, "minute": 45, "second": 41}
